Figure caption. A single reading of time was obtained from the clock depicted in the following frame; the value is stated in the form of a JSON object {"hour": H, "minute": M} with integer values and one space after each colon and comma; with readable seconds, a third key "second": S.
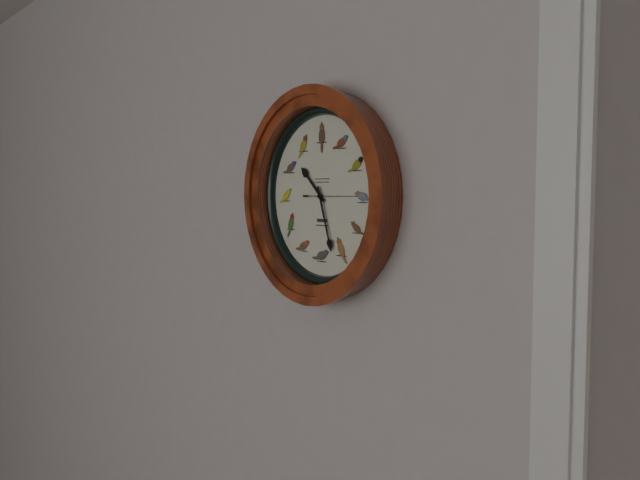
{"hour": 10, "minute": 27}
